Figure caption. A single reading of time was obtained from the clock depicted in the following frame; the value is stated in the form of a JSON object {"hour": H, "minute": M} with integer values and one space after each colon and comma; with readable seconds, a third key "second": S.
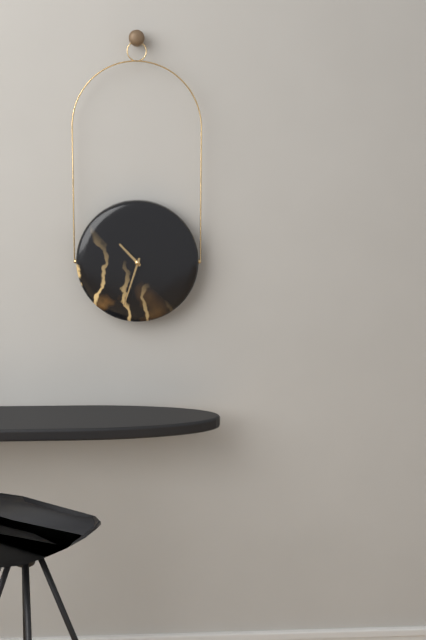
{"hour": 10, "minute": 33}
